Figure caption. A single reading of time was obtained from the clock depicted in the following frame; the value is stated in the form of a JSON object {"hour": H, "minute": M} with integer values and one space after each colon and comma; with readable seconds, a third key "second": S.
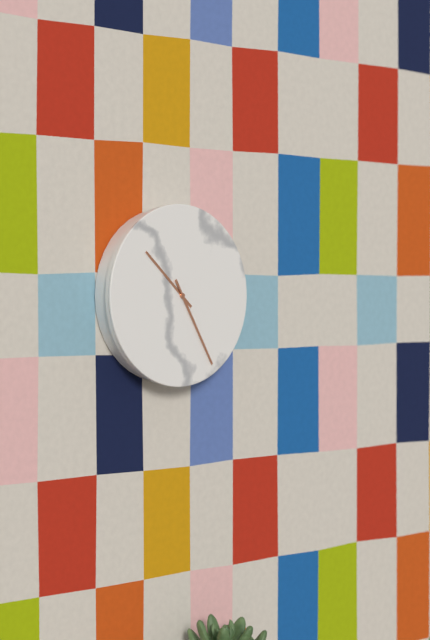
{"hour": 10, "minute": 25}
